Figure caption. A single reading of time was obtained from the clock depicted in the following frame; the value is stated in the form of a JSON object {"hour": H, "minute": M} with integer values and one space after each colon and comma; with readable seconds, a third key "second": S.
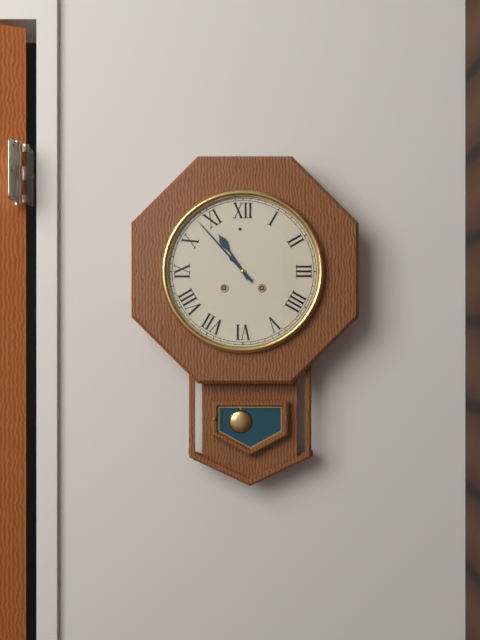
{"hour": 10, "minute": 53}
